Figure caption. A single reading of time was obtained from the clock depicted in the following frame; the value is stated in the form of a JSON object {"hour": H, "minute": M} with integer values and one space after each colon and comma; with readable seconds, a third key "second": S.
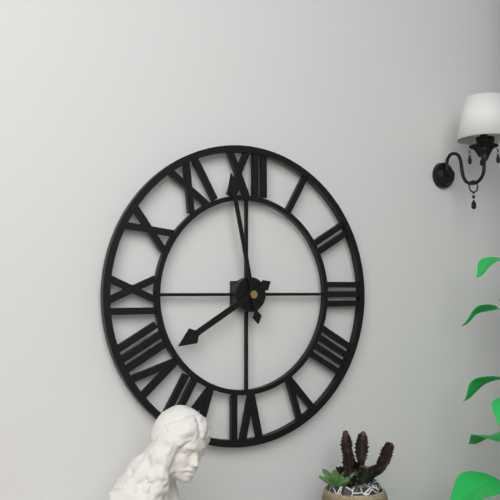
{"hour": 7, "minute": 58}
